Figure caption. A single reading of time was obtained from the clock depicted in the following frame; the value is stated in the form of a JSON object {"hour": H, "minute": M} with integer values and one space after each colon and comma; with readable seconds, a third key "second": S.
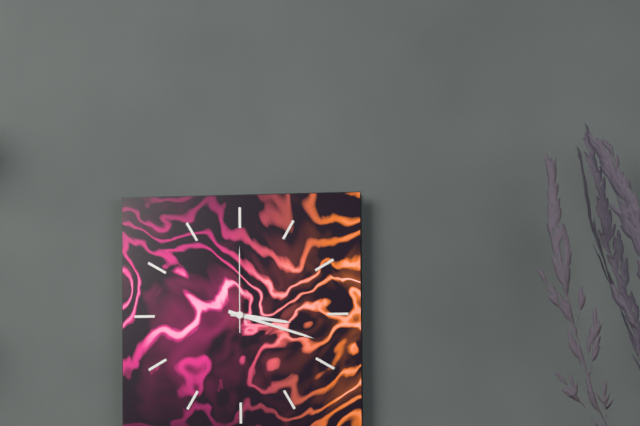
{"hour": 3, "minute": 18, "second": 0}
